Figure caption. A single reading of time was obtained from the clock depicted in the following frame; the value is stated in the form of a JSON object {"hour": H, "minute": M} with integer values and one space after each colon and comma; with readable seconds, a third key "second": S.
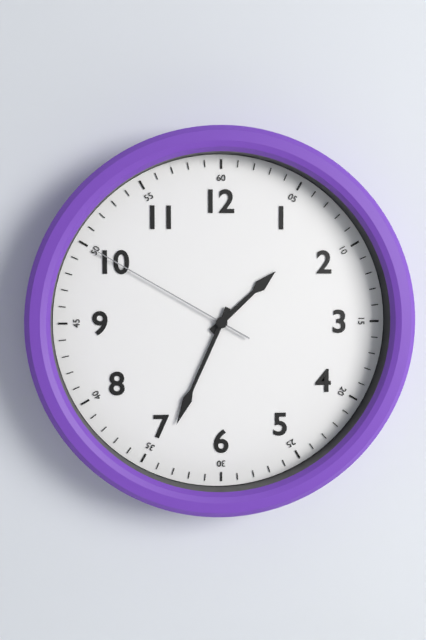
{"hour": 1, "minute": 34, "second": 50}
